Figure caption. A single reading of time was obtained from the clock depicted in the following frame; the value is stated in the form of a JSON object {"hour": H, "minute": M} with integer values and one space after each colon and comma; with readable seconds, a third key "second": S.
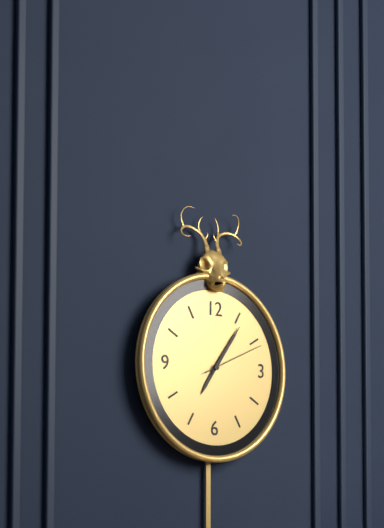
{"hour": 7, "minute": 6, "second": 11}
